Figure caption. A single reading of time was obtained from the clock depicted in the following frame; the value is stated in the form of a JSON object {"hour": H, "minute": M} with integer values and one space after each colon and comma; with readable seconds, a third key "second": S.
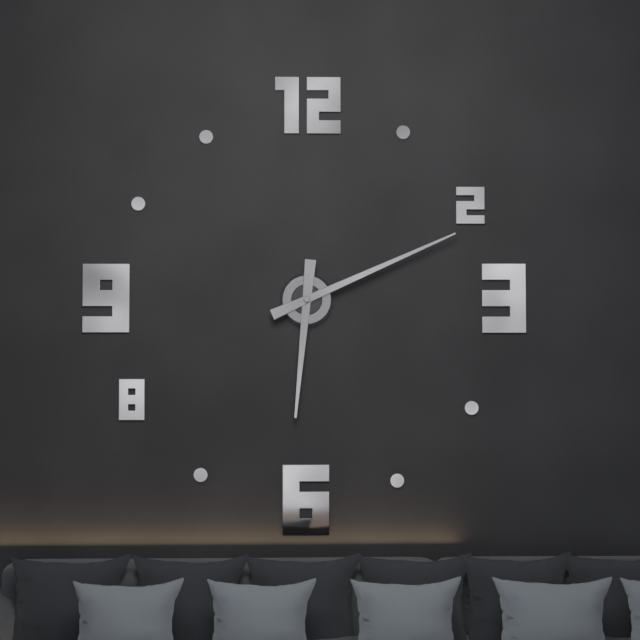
{"hour": 6, "minute": 11}
